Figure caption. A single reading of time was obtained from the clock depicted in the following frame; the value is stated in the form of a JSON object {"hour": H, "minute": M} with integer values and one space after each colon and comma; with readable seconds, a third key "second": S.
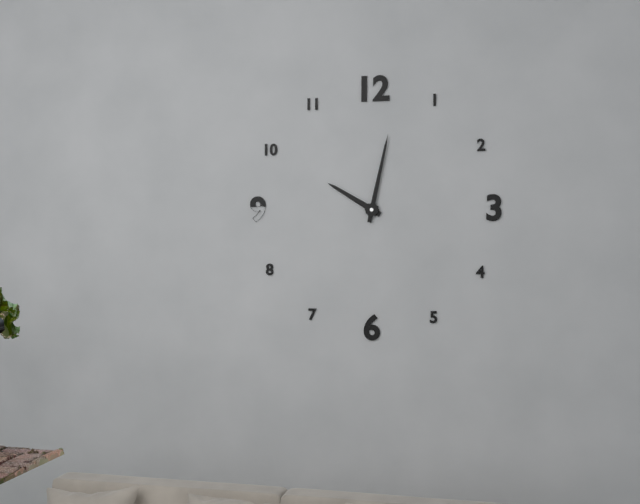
{"hour": 10, "minute": 2}
